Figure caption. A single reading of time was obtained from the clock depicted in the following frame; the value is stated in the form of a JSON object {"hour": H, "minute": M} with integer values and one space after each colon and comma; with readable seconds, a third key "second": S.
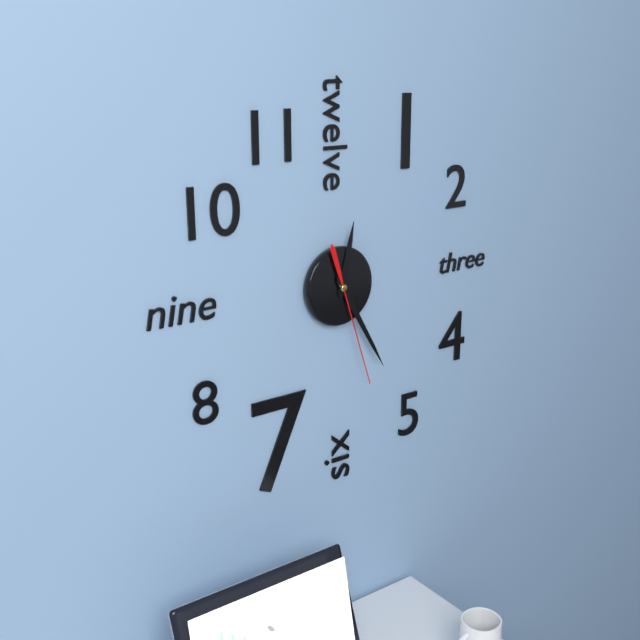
{"hour": 12, "minute": 25, "second": 27}
